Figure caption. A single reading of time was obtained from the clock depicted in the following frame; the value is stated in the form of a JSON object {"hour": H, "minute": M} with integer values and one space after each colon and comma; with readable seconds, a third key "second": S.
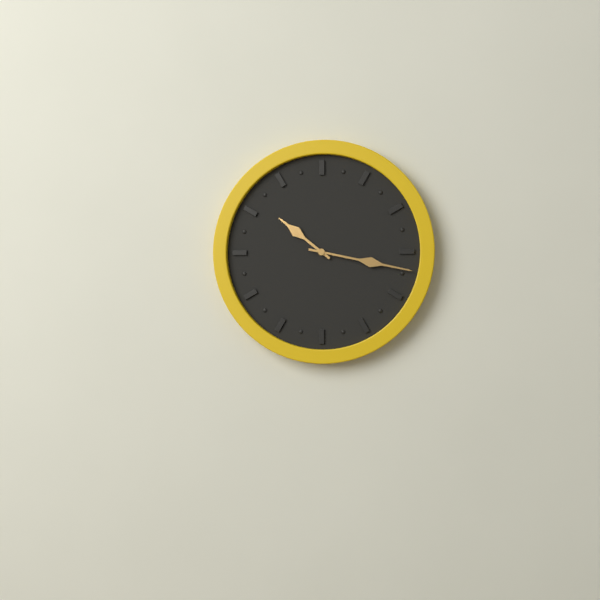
{"hour": 10, "minute": 17}
